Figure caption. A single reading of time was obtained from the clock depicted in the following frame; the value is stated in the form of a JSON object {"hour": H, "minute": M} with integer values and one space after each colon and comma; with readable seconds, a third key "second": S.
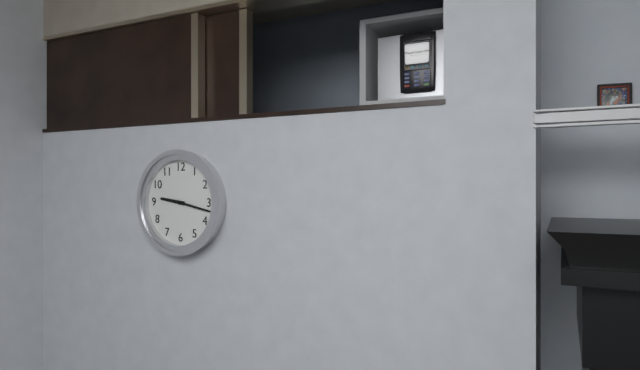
{"hour": 9, "minute": 17}
